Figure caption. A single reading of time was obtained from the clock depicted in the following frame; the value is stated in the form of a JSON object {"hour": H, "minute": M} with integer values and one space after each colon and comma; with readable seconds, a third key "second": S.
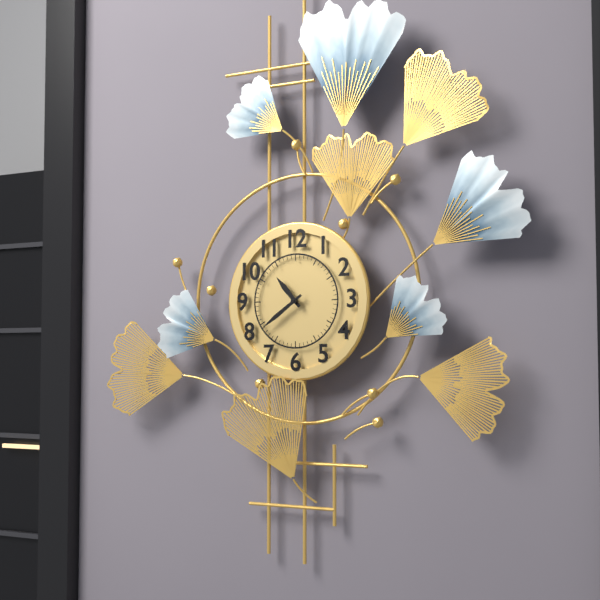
{"hour": 10, "minute": 39}
